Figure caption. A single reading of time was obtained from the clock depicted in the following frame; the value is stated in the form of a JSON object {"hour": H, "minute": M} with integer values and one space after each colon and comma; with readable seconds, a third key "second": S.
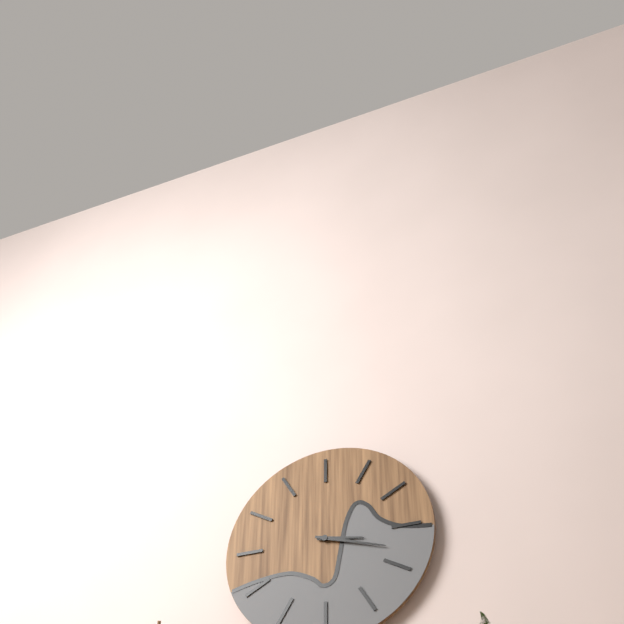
{"hour": 3, "minute": 18}
